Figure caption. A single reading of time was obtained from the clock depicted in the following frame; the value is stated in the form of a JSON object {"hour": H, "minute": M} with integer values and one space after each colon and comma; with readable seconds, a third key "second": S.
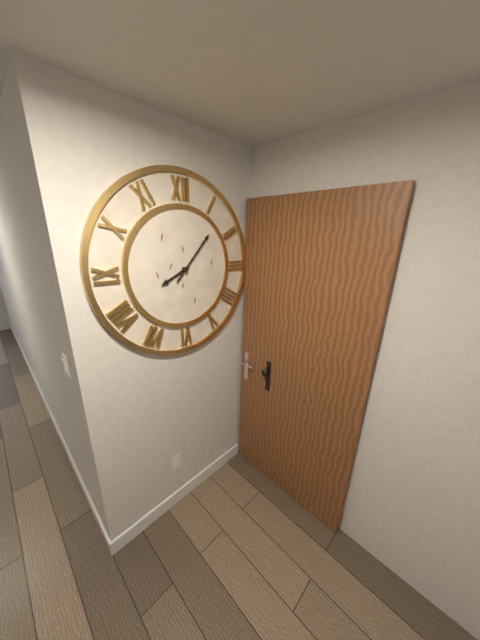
{"hour": 8, "minute": 7}
